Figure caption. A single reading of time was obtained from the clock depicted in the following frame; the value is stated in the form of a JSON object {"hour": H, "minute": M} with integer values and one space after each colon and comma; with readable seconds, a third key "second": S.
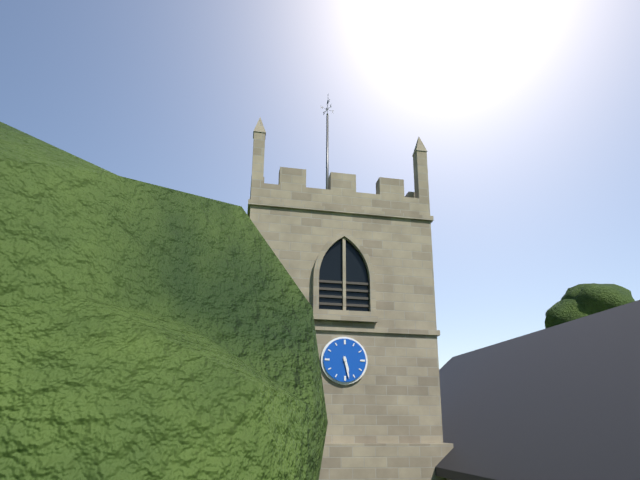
{"hour": 5, "minute": 28}
